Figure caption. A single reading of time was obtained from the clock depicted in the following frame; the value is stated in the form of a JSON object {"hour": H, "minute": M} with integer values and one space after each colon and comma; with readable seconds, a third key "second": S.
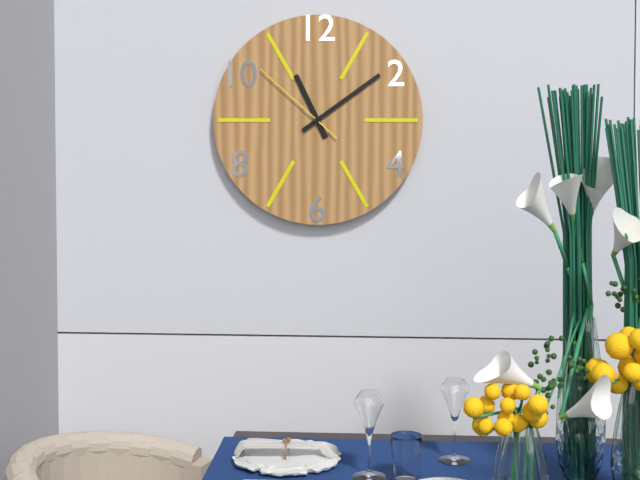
{"hour": 11, "minute": 9, "second": 52}
